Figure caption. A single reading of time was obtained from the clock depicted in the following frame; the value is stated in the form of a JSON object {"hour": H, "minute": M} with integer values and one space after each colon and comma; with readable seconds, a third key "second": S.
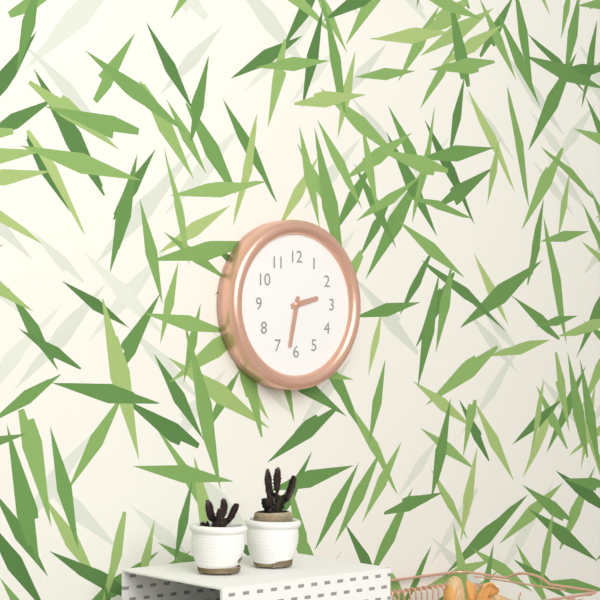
{"hour": 2, "minute": 32}
